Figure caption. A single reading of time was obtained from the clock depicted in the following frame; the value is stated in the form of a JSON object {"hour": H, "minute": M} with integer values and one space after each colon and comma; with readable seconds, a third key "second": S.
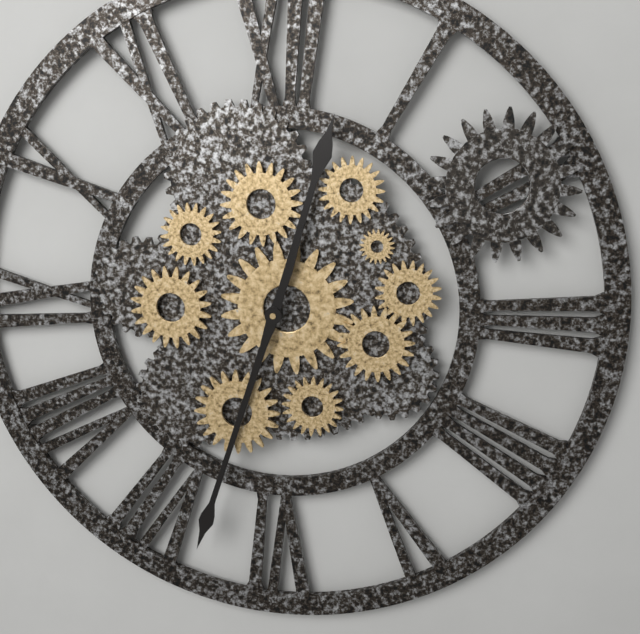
{"hour": 12, "minute": 33}
